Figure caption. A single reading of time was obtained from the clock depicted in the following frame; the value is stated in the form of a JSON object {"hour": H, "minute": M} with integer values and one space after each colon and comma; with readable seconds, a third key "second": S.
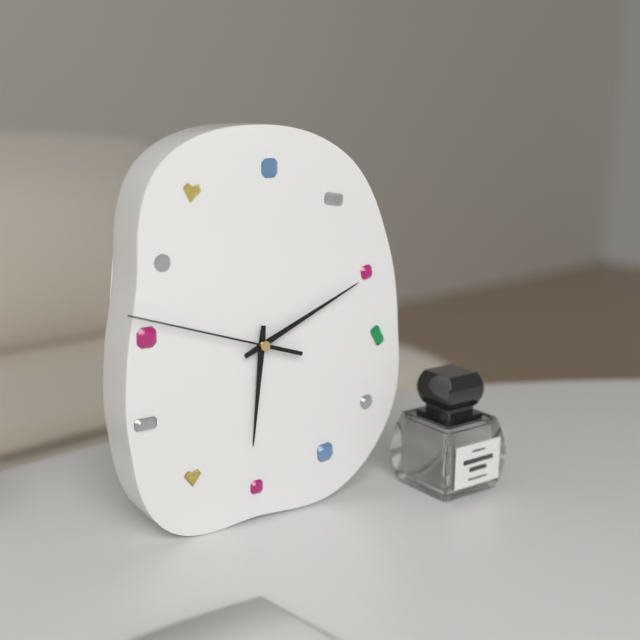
{"hour": 6, "minute": 11, "second": 48}
